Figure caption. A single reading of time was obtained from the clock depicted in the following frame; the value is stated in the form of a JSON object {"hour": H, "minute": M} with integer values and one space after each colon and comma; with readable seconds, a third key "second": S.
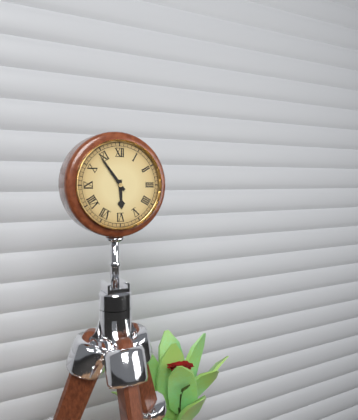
{"hour": 5, "minute": 54}
